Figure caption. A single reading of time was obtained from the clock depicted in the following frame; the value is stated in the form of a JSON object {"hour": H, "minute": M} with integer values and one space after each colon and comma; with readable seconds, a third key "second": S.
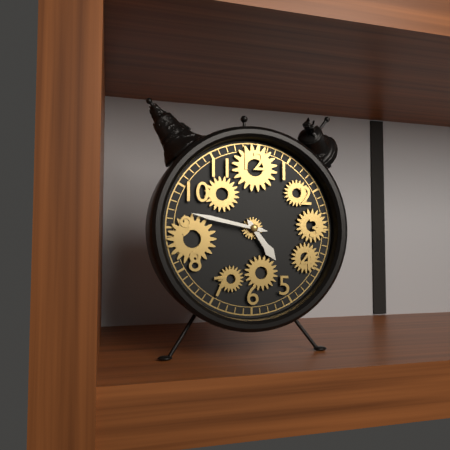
{"hour": 4, "minute": 47}
